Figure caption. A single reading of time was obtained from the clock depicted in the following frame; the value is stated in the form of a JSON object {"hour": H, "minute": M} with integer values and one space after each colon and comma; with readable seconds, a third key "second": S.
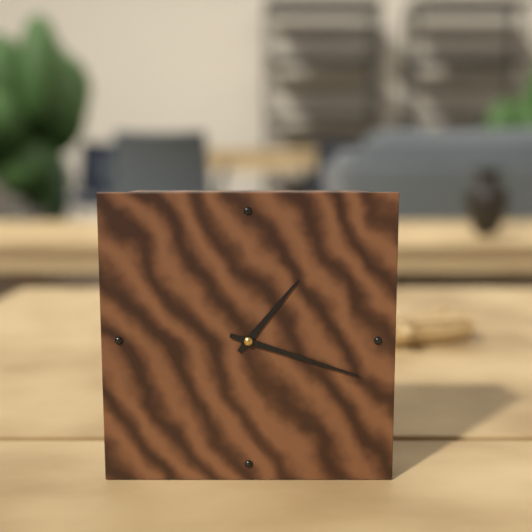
{"hour": 1, "minute": 18}
